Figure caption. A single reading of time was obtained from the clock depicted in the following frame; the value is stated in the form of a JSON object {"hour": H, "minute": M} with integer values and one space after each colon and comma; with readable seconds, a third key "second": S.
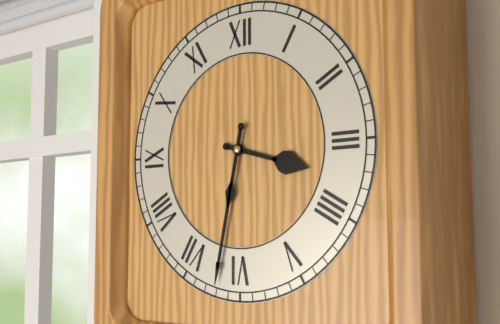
{"hour": 3, "minute": 32}
